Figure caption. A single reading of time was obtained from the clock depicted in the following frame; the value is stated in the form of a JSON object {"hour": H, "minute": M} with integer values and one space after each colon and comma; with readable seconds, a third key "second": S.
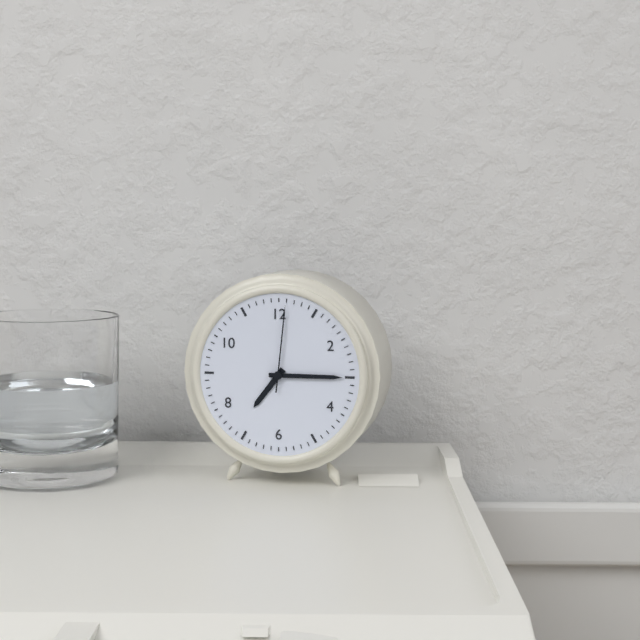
{"hour": 7, "minute": 15, "second": 1}
